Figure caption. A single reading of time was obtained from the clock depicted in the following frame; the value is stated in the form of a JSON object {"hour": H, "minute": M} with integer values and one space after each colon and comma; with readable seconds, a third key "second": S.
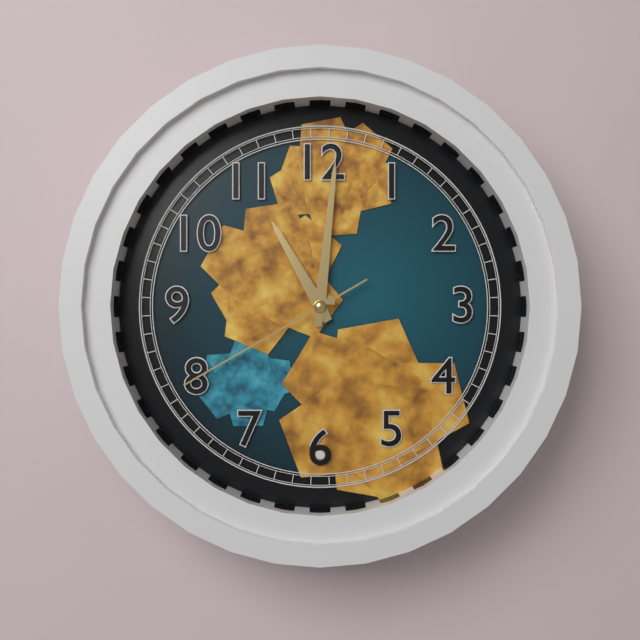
{"hour": 11, "minute": 1, "second": 40}
